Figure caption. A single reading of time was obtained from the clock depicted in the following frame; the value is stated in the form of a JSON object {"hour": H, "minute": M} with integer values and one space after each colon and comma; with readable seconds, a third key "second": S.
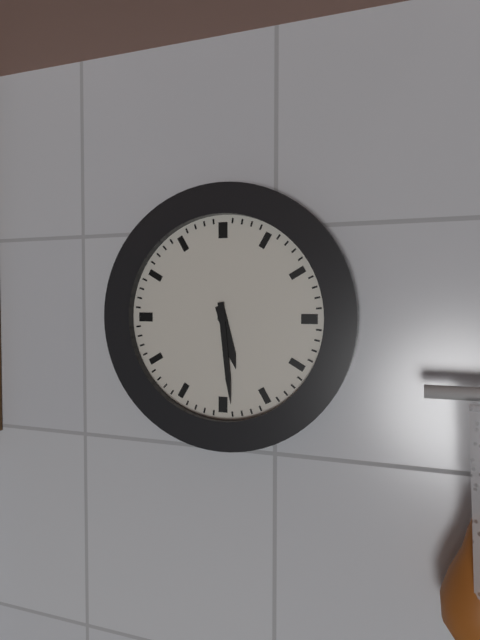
{"hour": 5, "minute": 29}
